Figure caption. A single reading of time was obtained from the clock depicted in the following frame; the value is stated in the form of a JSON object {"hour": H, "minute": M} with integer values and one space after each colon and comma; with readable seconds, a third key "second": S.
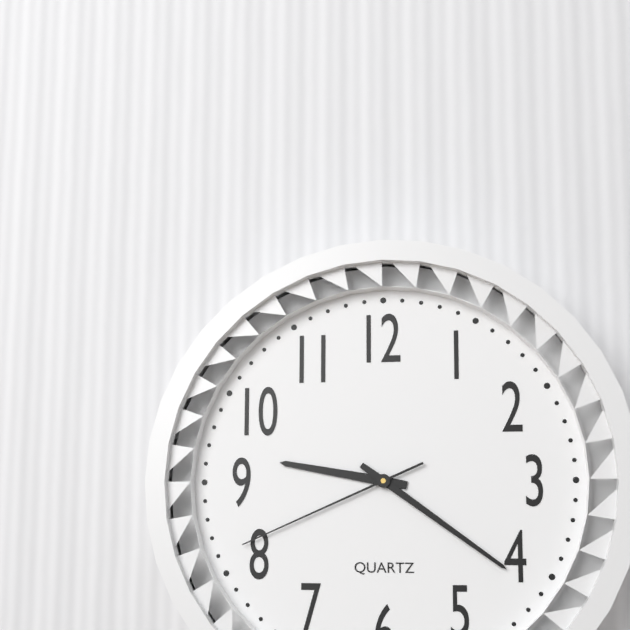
{"hour": 9, "minute": 21, "second": 41}
